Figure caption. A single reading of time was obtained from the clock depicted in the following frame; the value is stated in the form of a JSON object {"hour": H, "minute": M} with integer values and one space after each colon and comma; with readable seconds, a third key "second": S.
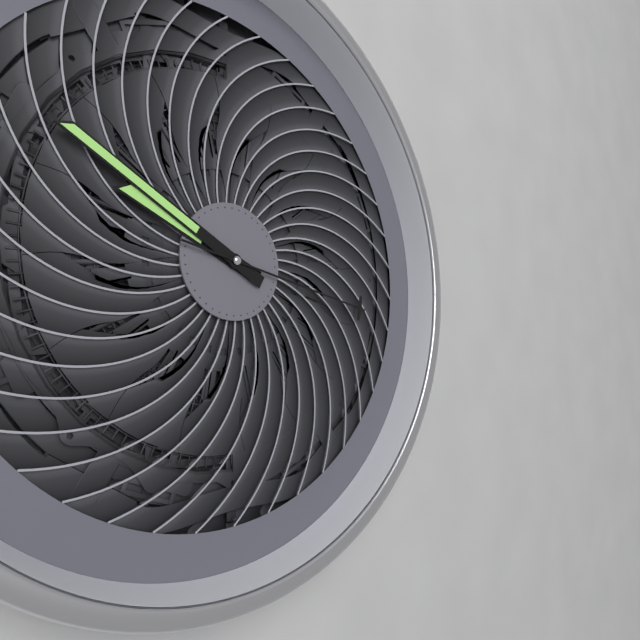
{"hour": 9, "minute": 50, "second": 17}
